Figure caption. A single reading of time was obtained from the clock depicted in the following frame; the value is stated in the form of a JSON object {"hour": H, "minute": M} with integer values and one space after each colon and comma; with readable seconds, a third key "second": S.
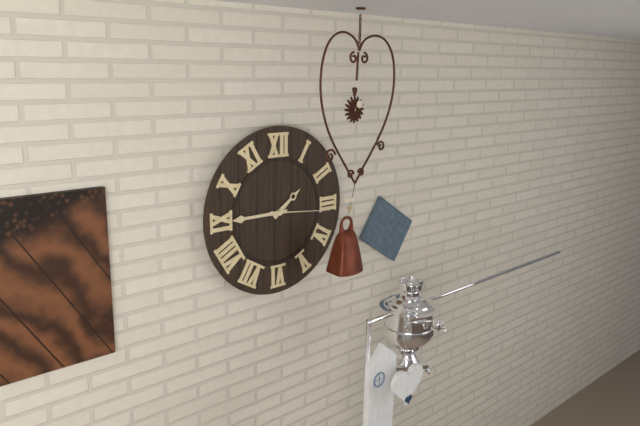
{"hour": 1, "minute": 45, "second": 16}
